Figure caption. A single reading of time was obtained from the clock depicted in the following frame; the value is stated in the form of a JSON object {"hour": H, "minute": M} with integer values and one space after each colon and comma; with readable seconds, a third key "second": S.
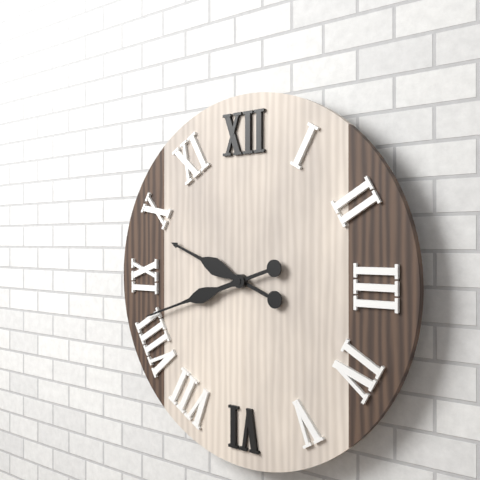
{"hour": 9, "minute": 42}
